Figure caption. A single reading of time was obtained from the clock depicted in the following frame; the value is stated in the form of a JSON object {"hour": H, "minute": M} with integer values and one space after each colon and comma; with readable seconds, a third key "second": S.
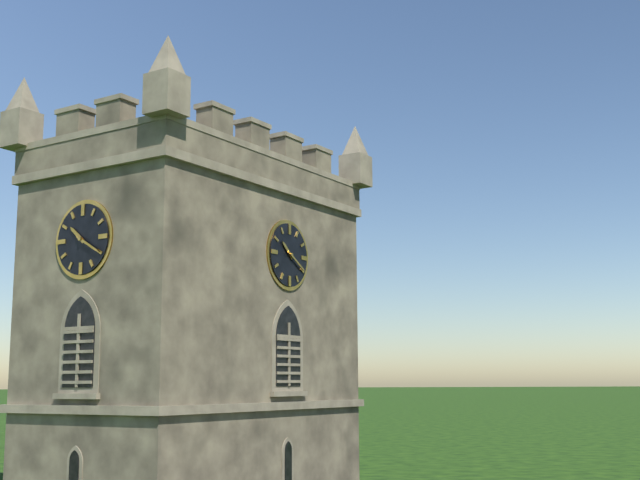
{"hour": 10, "minute": 20}
